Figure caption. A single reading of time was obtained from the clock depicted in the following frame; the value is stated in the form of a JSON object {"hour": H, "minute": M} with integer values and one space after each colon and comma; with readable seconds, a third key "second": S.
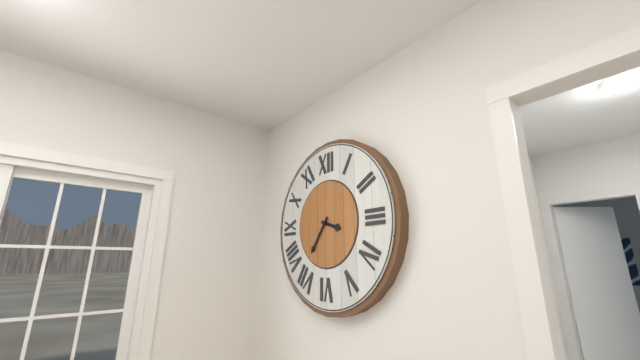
{"hour": 3, "minute": 36}
